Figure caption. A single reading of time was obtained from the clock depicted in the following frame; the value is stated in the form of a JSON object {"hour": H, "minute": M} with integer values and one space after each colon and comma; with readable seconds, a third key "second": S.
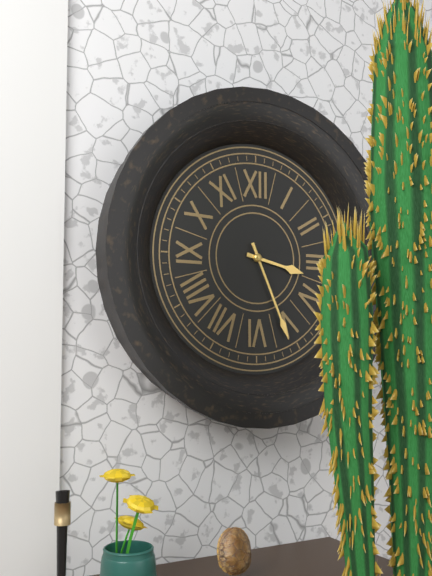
{"hour": 3, "minute": 26}
